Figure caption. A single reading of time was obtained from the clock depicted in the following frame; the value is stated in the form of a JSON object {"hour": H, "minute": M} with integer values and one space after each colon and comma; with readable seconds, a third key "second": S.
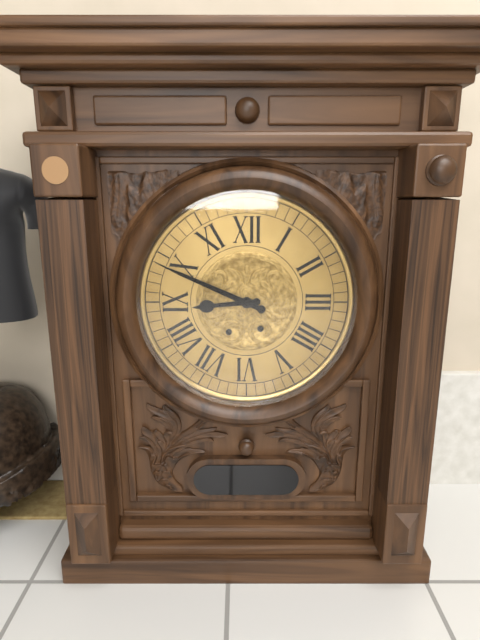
{"hour": 8, "minute": 49}
